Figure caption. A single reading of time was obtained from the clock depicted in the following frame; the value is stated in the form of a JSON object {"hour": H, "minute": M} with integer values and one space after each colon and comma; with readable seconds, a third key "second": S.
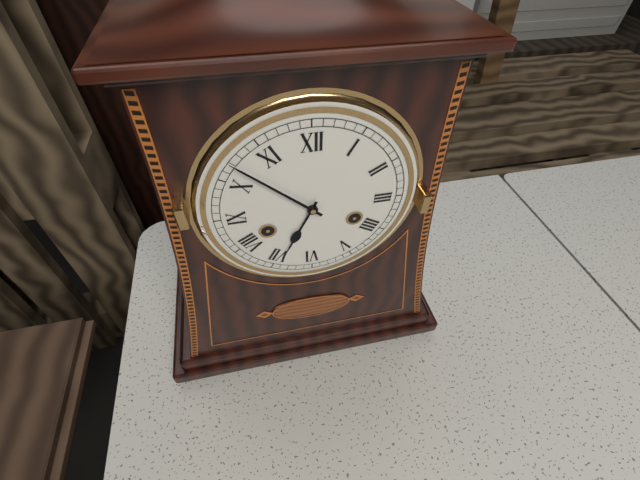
{"hour": 6, "minute": 52}
